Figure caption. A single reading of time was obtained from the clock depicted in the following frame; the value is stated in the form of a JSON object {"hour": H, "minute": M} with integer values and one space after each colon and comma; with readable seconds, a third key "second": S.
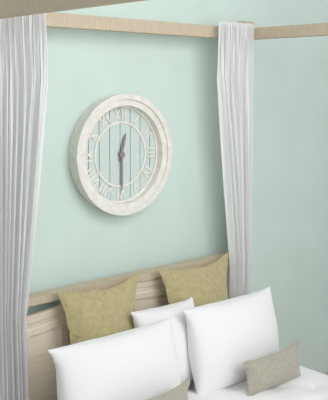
{"hour": 12, "minute": 30}
